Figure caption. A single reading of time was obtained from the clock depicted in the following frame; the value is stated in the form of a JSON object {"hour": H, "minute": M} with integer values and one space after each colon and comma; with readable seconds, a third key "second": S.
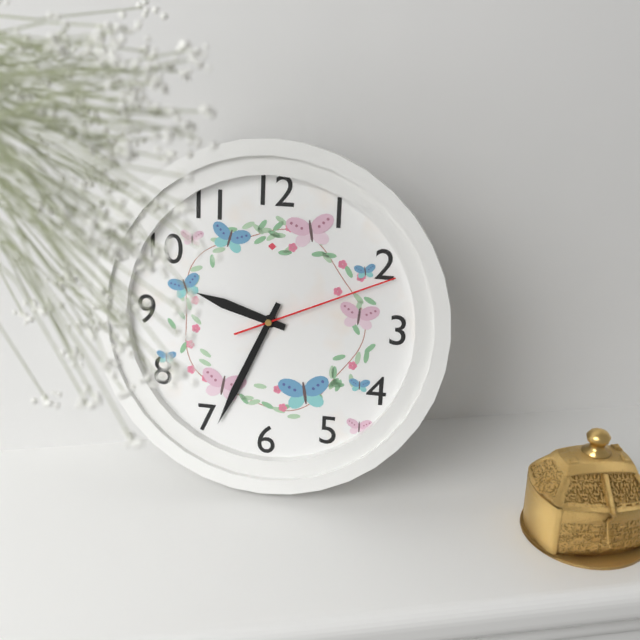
{"hour": 9, "minute": 34, "second": 11}
